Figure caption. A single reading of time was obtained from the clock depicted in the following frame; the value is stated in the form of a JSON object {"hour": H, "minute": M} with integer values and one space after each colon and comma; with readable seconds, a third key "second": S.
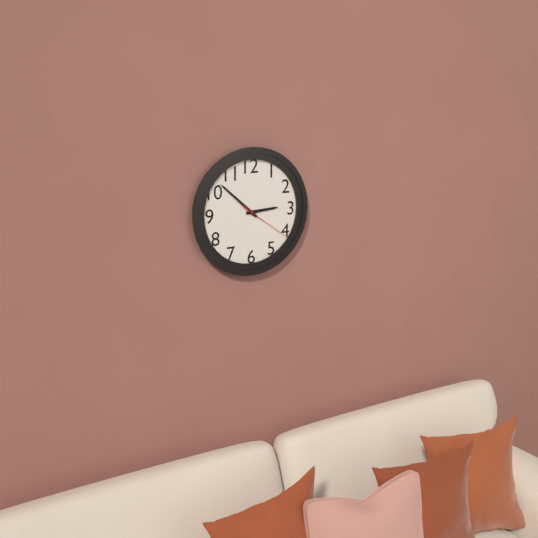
{"hour": 2, "minute": 52, "second": 21}
